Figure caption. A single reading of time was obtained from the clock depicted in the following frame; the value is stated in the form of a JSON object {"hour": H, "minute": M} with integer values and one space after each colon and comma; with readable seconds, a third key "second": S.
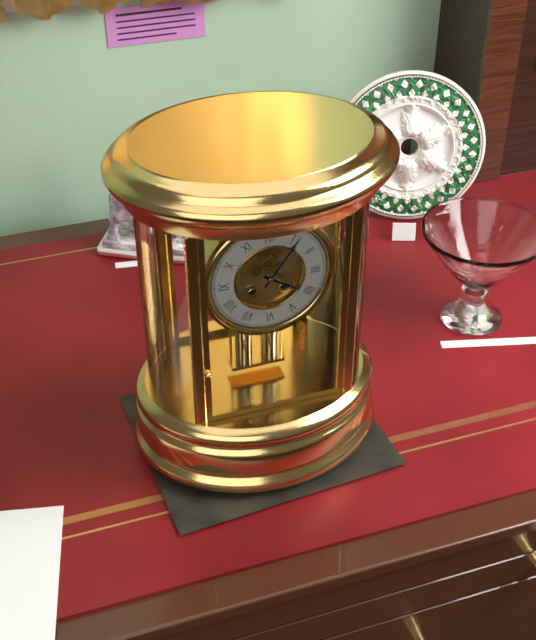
{"hour": 4, "minute": 6}
